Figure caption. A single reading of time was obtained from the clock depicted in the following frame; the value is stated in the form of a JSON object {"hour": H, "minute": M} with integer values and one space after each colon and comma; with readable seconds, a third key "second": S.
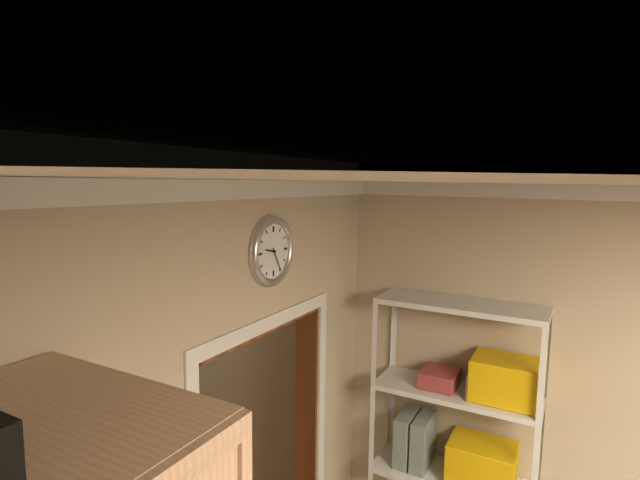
{"hour": 9, "minute": 25}
